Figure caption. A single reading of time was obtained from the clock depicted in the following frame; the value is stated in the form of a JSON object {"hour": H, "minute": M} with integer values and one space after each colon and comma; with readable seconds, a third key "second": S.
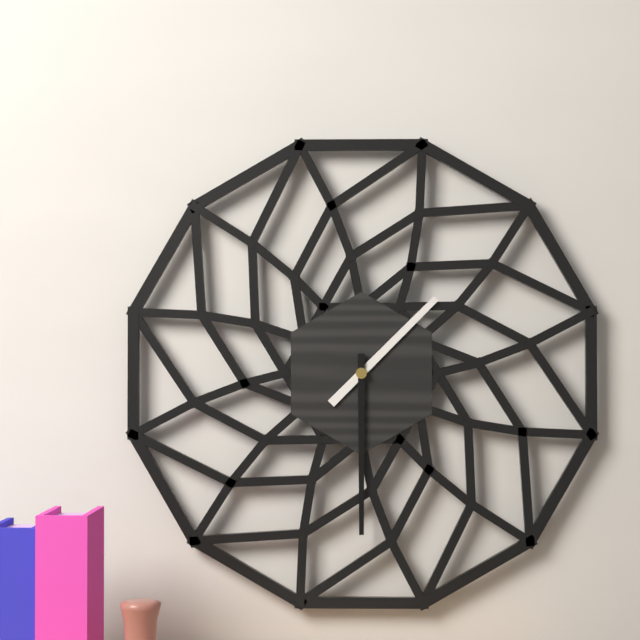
{"hour": 1, "minute": 30}
